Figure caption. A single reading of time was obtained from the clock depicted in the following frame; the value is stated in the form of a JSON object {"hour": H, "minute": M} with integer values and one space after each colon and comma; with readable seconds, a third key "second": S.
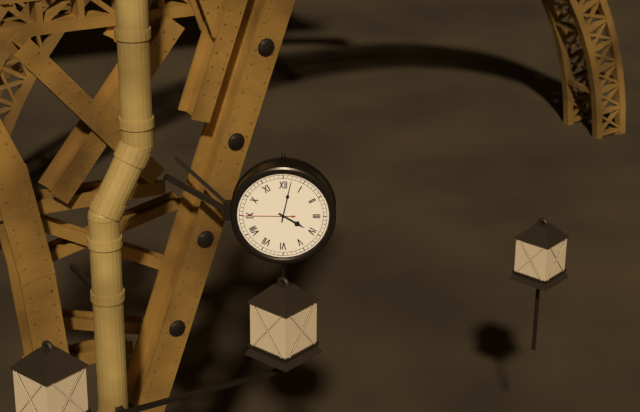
{"hour": 4, "minute": 2, "second": 45}
